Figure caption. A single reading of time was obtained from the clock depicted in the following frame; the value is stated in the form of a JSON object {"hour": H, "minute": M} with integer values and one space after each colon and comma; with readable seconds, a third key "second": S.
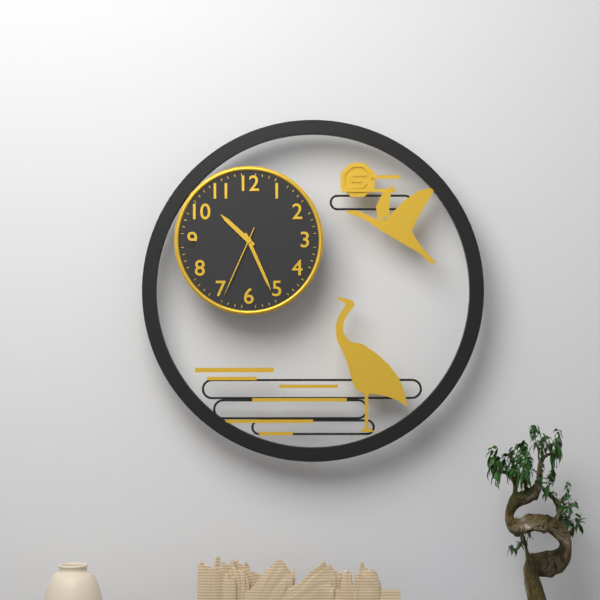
{"hour": 10, "minute": 26, "second": 34}
